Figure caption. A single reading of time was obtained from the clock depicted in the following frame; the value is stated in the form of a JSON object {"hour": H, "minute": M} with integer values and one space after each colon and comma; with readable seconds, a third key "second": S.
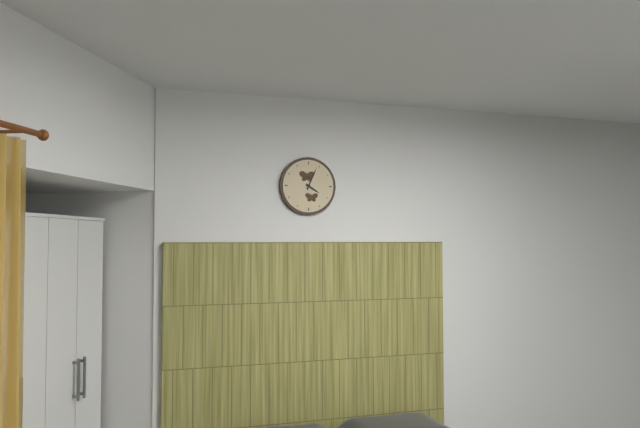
{"hour": 4, "minute": 4}
